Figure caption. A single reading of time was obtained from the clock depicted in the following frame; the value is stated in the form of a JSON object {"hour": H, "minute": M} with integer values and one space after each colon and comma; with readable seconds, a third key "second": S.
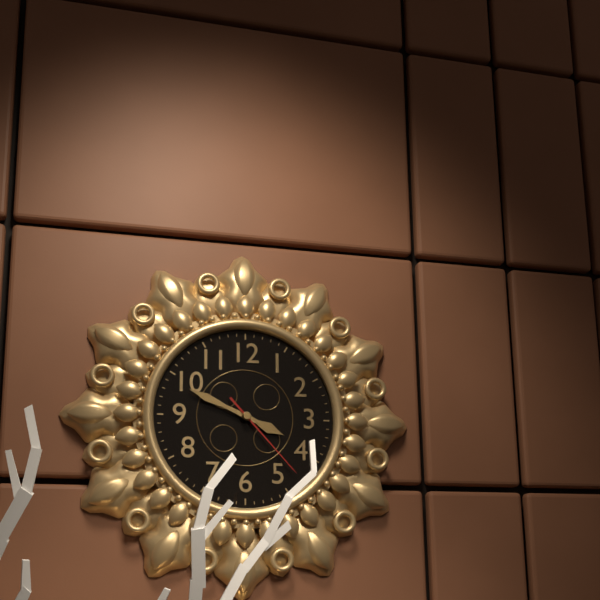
{"hour": 3, "minute": 49, "second": 23}
